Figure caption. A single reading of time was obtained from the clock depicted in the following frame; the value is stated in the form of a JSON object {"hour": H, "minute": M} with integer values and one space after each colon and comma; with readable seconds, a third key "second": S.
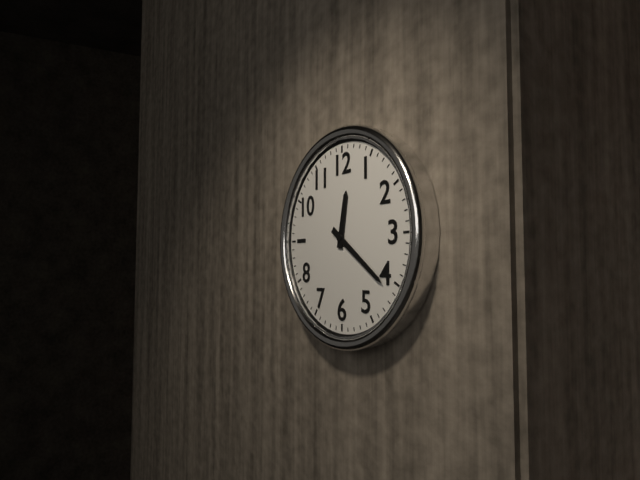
{"hour": 12, "minute": 21}
